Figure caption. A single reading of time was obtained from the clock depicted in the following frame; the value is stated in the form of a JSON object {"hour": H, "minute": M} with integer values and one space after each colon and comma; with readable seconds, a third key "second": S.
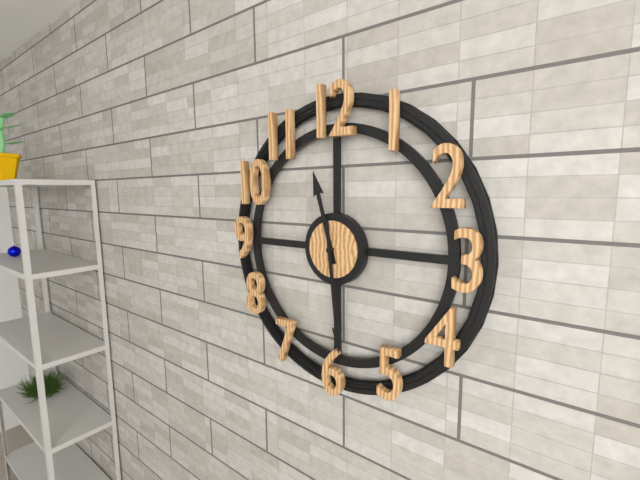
{"hour": 11, "minute": 29}
